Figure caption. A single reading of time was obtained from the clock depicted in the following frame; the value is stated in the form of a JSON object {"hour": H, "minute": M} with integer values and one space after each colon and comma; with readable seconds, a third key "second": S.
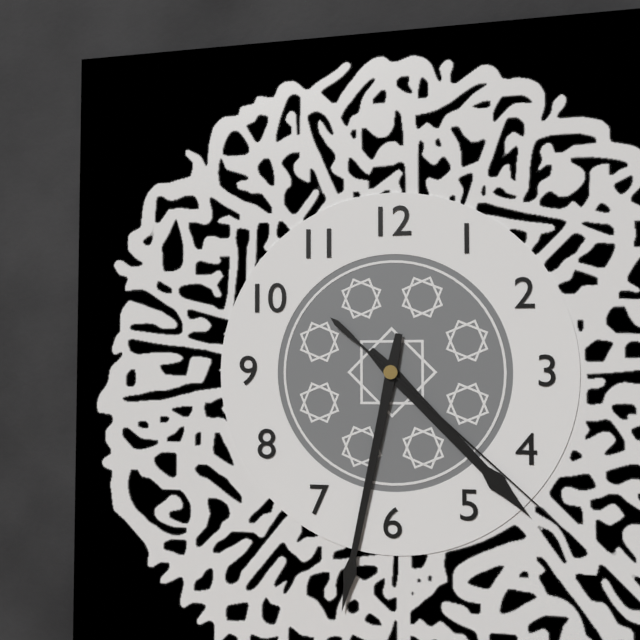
{"hour": 4, "minute": 32, "second": 22}
